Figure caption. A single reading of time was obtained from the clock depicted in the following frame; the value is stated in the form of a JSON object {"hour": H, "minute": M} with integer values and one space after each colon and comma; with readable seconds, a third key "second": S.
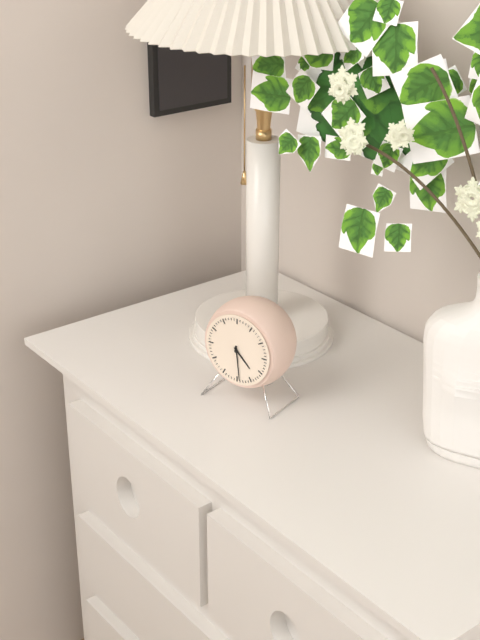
{"hour": 4, "minute": 29}
